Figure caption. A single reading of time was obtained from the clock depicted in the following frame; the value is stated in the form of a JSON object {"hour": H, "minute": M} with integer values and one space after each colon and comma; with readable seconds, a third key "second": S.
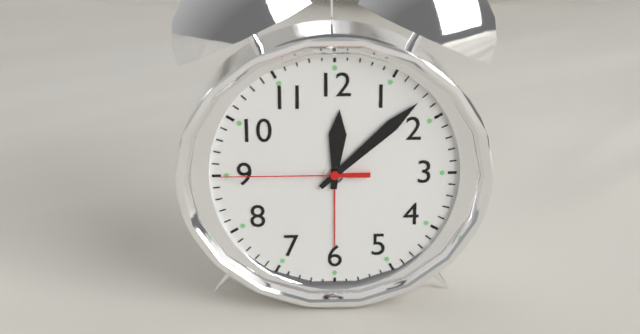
{"hour": 12, "minute": 8, "second": 45}
